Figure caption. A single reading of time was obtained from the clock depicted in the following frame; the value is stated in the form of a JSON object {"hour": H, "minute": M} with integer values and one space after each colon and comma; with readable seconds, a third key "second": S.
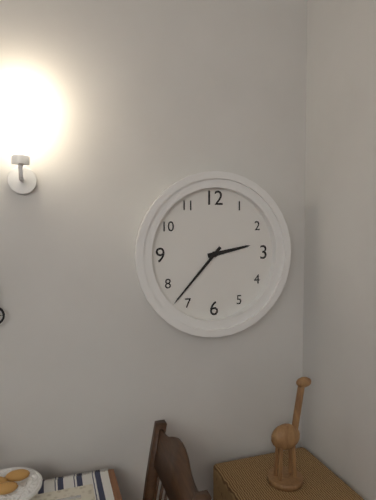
{"hour": 2, "minute": 37}
